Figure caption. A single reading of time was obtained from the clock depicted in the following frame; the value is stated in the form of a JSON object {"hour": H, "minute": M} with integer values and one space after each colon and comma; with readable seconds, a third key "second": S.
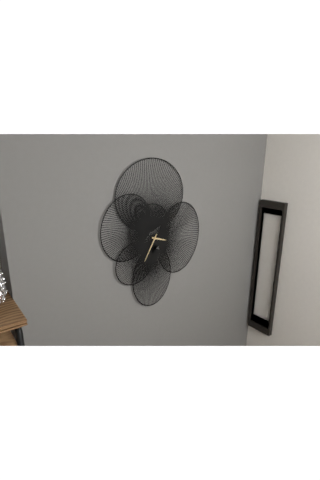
{"hour": 3, "minute": 35}
